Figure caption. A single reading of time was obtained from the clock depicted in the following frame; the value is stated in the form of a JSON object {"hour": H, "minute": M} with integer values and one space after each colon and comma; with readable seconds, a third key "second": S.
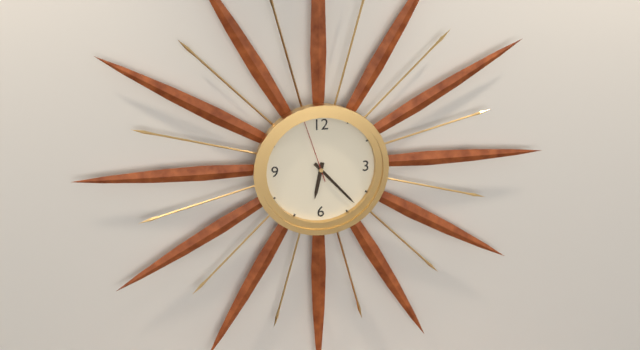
{"hour": 6, "minute": 23, "second": 57}
